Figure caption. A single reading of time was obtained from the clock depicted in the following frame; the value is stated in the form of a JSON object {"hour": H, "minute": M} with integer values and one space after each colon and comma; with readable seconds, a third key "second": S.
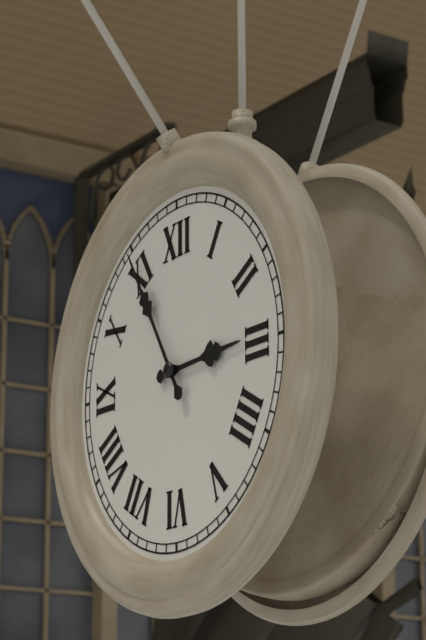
{"hour": 2, "minute": 55}
